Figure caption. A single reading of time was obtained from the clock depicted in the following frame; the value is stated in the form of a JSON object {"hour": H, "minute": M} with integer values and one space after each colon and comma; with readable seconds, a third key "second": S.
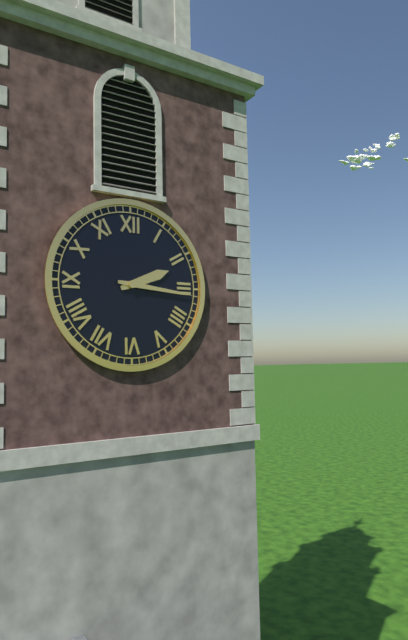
{"hour": 2, "minute": 16}
